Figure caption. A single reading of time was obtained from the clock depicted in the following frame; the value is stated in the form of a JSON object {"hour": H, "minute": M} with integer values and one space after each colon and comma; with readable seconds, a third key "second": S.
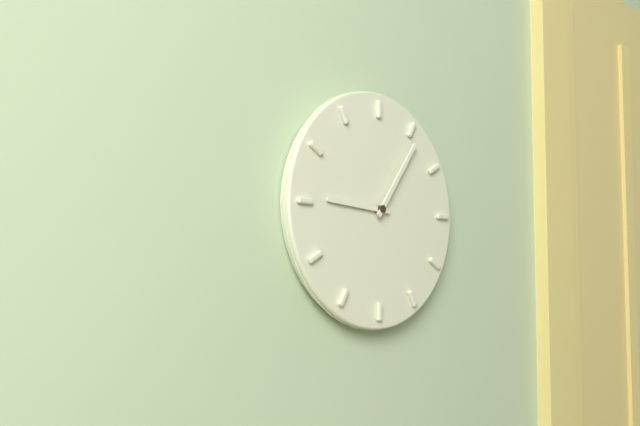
{"hour": 9, "minute": 6}
